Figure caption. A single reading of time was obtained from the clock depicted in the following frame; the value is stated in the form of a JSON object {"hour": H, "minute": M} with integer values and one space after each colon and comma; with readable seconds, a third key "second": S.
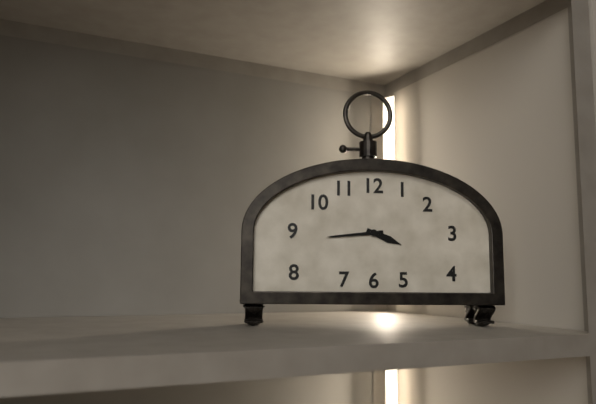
{"hour": 3, "minute": 44}
